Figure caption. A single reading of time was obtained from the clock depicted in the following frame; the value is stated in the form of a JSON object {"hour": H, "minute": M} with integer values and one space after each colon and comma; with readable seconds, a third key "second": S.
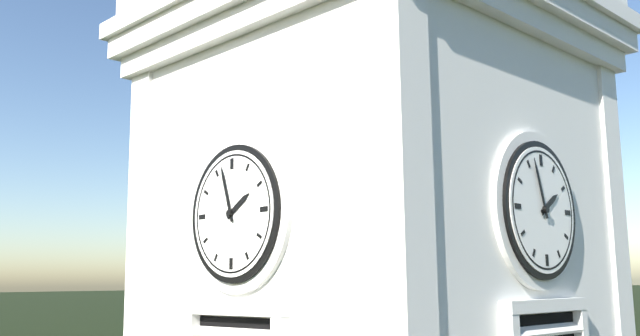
{"hour": 1, "minute": 57}
